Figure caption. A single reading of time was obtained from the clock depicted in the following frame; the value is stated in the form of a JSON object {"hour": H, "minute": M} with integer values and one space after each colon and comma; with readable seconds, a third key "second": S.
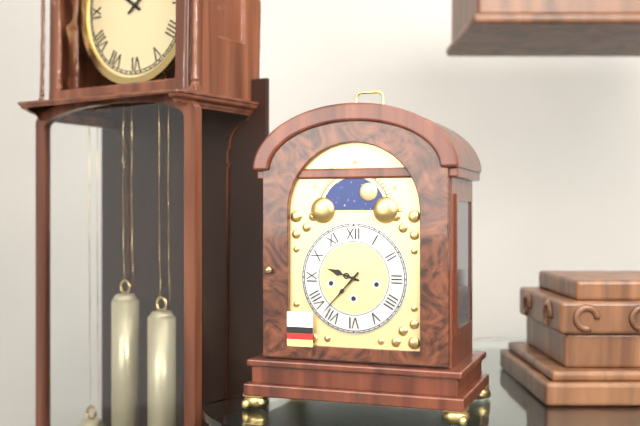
{"hour": 9, "minute": 37}
